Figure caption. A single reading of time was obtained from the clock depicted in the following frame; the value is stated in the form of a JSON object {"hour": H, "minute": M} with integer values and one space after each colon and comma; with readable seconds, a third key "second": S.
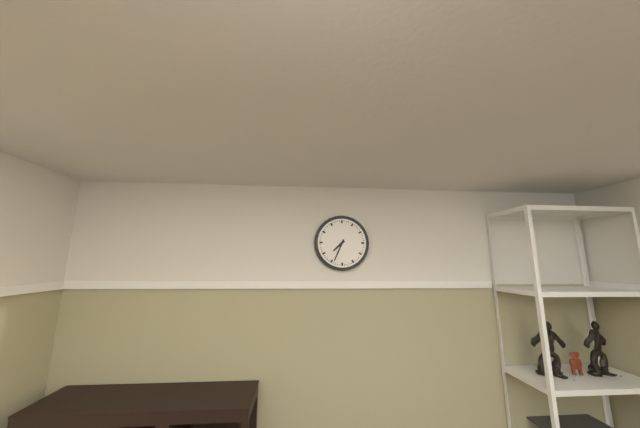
{"hour": 7, "minute": 34}
